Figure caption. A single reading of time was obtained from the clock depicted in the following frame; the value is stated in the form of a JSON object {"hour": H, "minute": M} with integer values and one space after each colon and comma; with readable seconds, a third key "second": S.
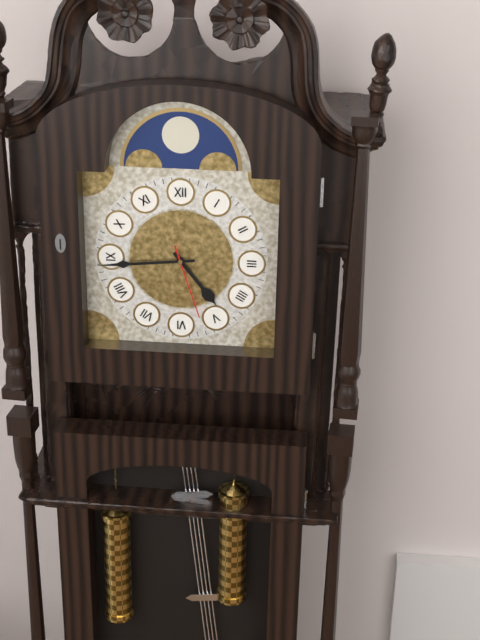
{"hour": 4, "minute": 44, "second": 27}
